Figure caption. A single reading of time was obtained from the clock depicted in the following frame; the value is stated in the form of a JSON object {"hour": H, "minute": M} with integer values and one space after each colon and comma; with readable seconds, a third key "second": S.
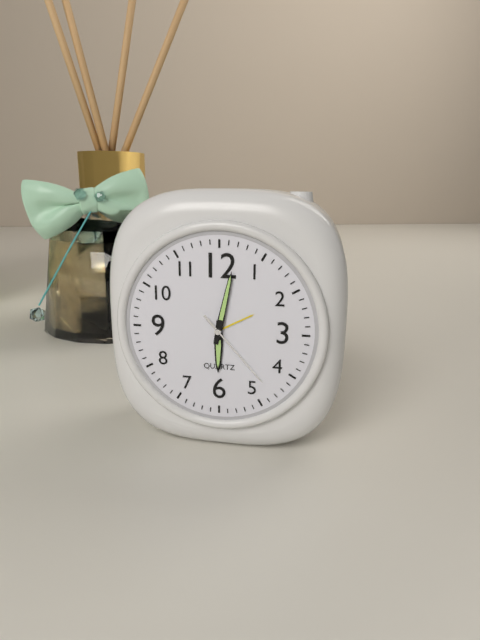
{"hour": 6, "minute": 2, "second": 23}
